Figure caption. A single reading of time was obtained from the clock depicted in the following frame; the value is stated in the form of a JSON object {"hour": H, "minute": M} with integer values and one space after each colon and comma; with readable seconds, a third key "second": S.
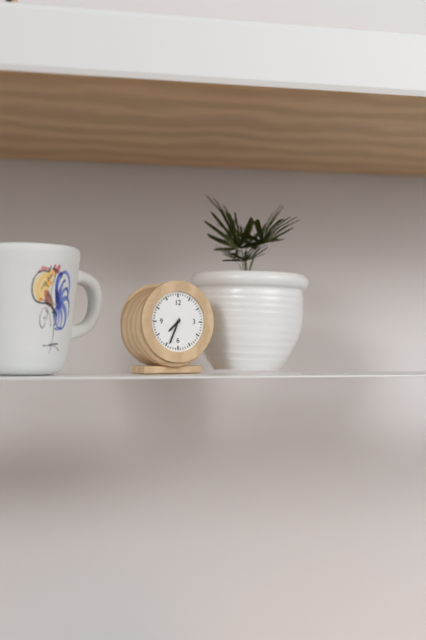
{"hour": 7, "minute": 34}
